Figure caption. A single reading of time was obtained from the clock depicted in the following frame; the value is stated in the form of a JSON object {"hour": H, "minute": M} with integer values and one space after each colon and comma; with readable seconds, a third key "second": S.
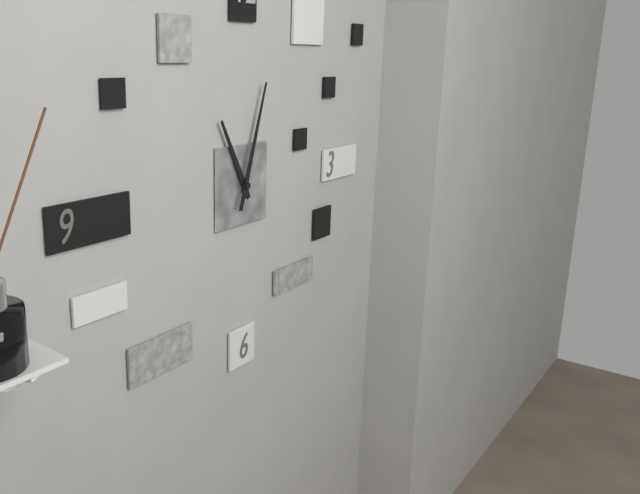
{"hour": 11, "minute": 3}
